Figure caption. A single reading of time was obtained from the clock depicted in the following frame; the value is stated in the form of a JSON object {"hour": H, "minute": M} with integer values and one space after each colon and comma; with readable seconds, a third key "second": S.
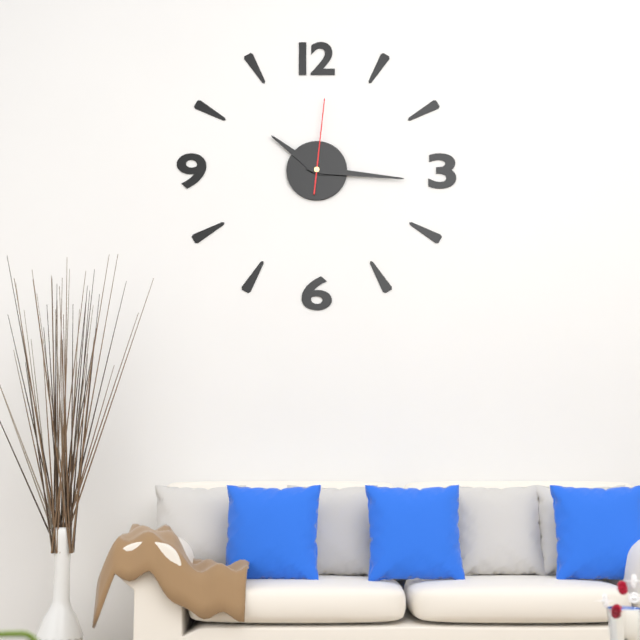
{"hour": 10, "minute": 16, "second": 1}
